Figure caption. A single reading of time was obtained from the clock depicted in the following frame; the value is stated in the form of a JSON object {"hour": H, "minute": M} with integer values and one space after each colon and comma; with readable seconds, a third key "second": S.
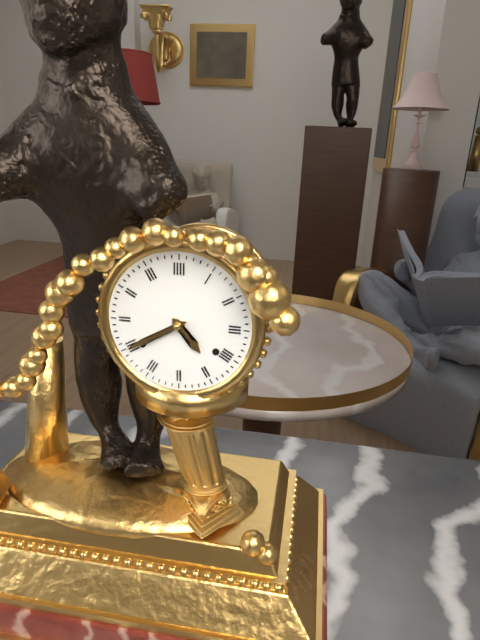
{"hour": 4, "minute": 40}
